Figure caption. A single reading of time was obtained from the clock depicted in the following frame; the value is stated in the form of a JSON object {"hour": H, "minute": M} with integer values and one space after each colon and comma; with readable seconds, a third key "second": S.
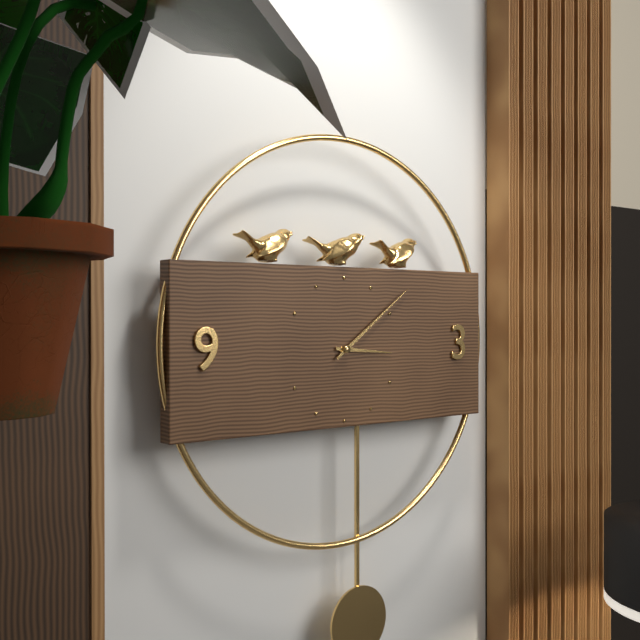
{"hour": 3, "minute": 9}
